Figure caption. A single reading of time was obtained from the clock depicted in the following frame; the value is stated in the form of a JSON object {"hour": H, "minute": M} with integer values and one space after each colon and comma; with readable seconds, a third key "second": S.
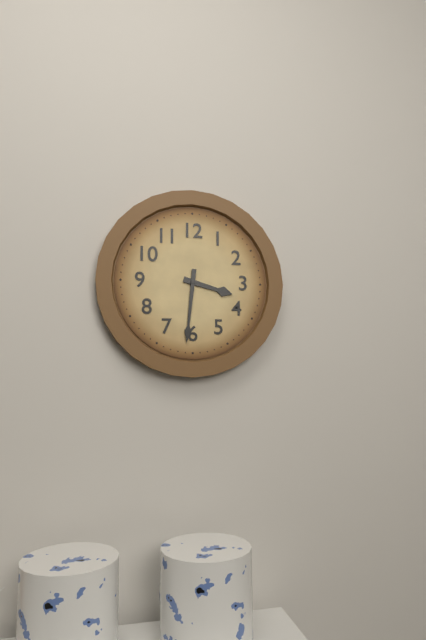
{"hour": 3, "minute": 31}
